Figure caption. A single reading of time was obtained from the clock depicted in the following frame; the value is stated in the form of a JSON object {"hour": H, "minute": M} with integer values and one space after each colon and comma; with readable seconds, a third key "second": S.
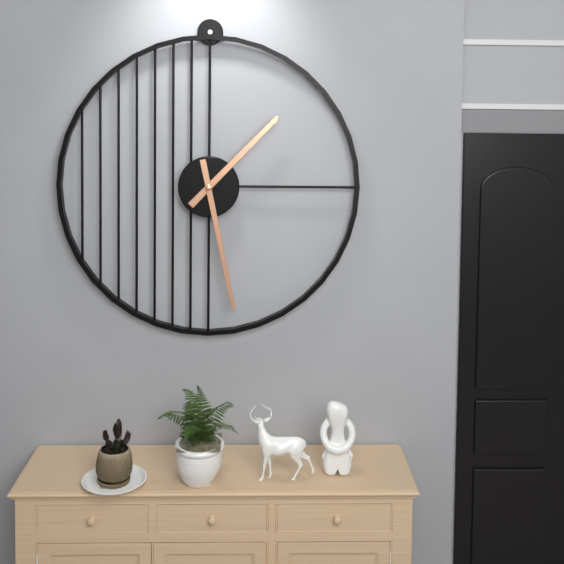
{"hour": 1, "minute": 28}
